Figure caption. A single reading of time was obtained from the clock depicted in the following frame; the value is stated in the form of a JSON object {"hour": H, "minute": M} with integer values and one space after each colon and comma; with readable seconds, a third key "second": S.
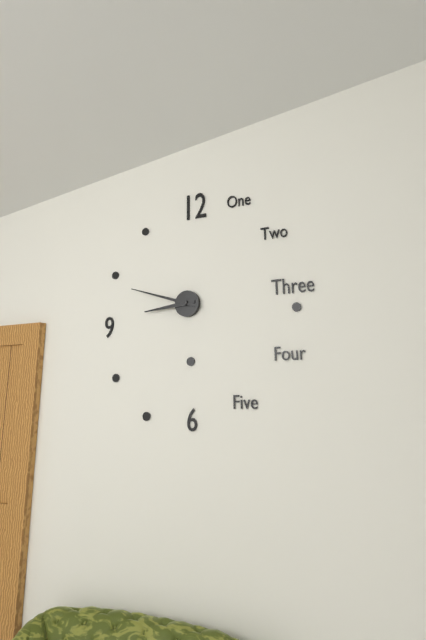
{"hour": 8, "minute": 48}
